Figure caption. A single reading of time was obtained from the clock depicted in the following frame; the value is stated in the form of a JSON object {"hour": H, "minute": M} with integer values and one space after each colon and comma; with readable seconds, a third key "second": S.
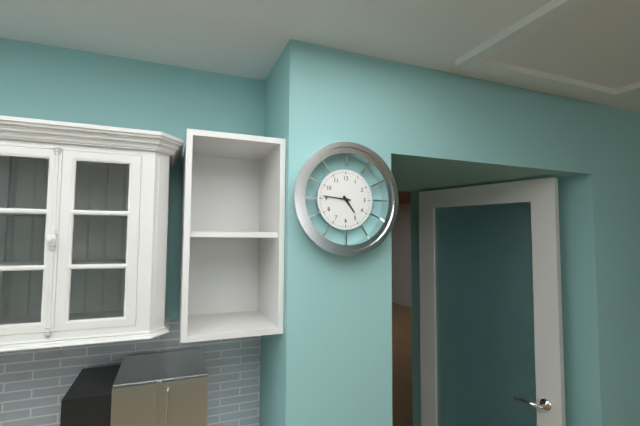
{"hour": 4, "minute": 46}
